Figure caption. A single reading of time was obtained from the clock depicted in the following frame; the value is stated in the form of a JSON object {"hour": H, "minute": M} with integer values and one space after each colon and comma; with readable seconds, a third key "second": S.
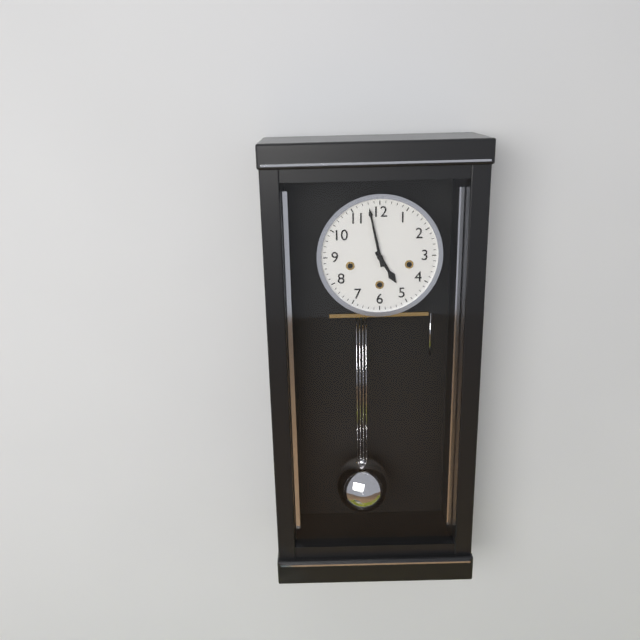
{"hour": 4, "minute": 58}
